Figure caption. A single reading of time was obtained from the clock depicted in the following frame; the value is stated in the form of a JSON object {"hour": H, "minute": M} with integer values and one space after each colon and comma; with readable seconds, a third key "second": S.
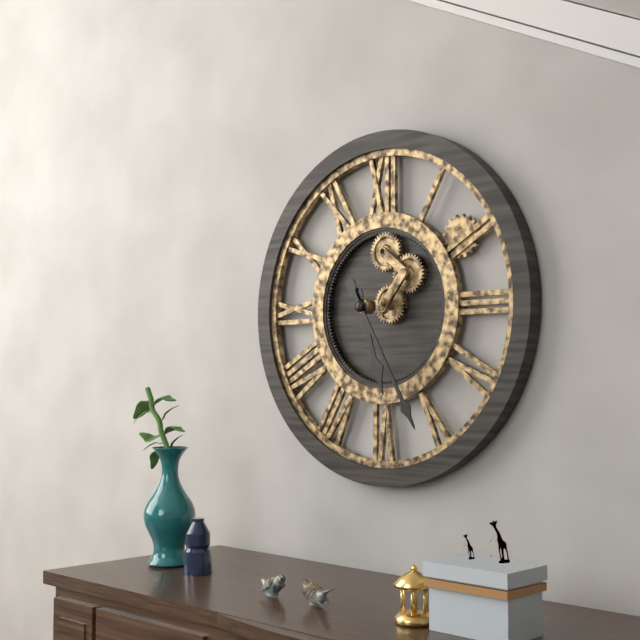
{"hour": 5, "minute": 25}
